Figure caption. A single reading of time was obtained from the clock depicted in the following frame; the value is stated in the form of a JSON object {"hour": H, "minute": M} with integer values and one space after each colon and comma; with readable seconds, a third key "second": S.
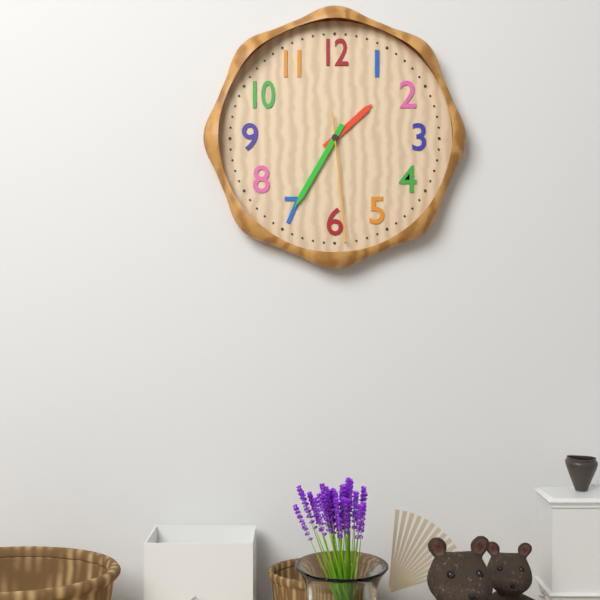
{"hour": 1, "minute": 35, "second": 29}
